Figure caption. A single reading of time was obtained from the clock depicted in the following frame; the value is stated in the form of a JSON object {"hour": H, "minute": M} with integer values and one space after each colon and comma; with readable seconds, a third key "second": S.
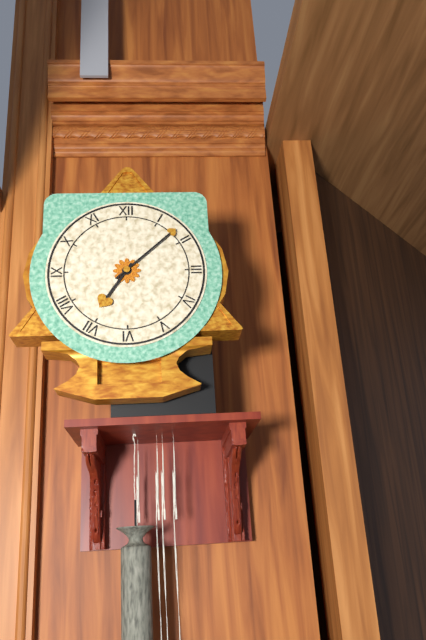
{"hour": 7, "minute": 8}
